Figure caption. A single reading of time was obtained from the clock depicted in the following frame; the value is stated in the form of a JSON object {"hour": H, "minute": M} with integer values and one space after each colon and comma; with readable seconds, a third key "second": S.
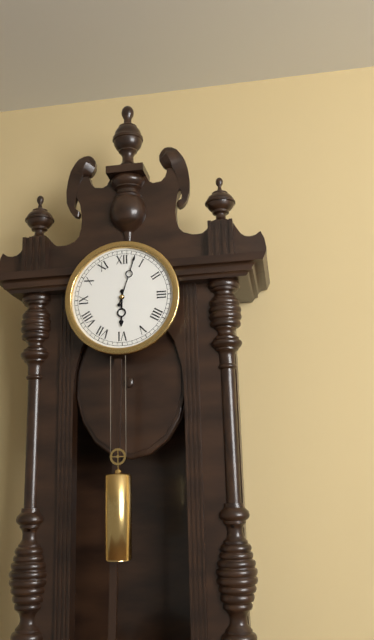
{"hour": 6, "minute": 3}
